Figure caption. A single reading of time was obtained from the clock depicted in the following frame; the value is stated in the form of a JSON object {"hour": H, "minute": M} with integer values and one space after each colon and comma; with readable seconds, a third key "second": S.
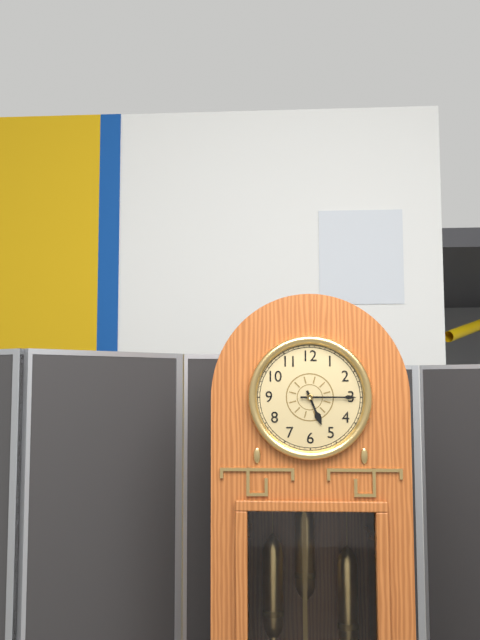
{"hour": 5, "minute": 15}
